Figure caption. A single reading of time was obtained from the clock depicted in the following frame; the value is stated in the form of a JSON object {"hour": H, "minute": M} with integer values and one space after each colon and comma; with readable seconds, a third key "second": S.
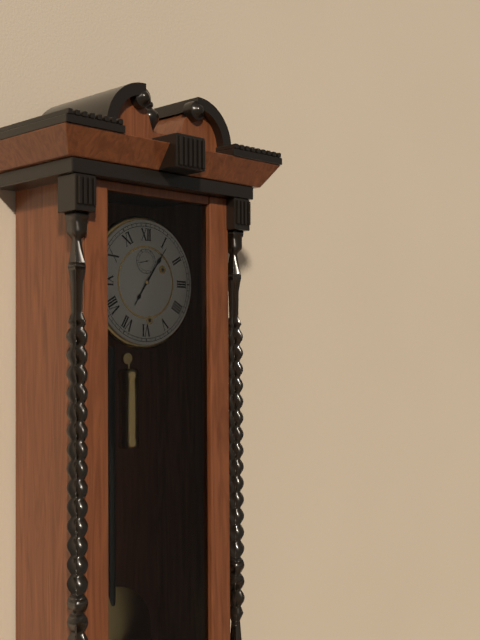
{"hour": 7, "minute": 6}
